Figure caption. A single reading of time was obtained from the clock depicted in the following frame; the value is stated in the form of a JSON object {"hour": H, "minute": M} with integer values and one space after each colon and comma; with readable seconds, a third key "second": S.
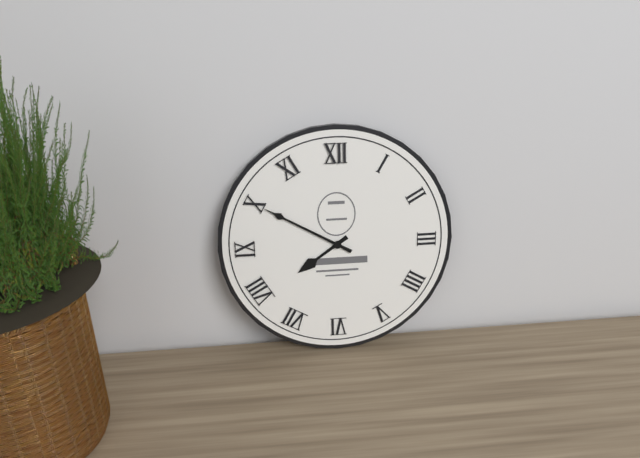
{"hour": 7, "minute": 50}
